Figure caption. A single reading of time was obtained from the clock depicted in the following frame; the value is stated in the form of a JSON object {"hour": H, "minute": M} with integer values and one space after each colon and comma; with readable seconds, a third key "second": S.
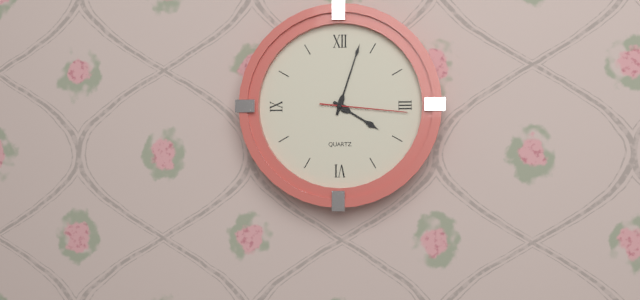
{"hour": 4, "minute": 3, "second": 16}
